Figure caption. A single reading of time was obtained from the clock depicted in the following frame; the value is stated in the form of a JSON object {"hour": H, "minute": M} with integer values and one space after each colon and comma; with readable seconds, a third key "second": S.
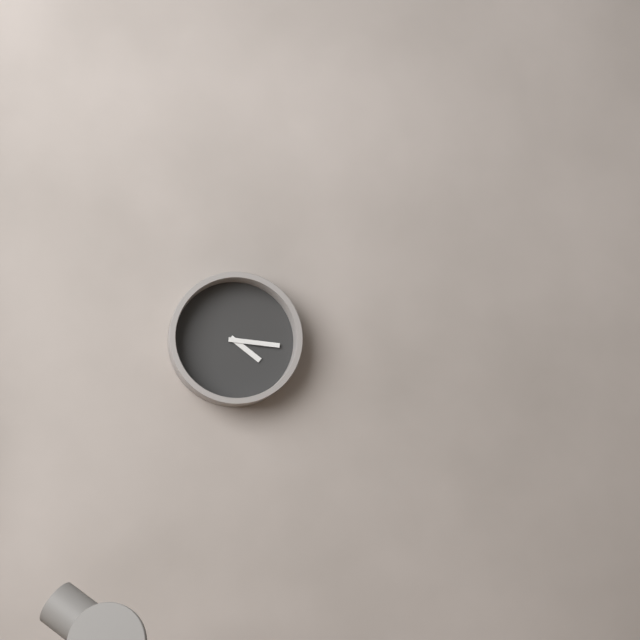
{"hour": 4, "minute": 16}
